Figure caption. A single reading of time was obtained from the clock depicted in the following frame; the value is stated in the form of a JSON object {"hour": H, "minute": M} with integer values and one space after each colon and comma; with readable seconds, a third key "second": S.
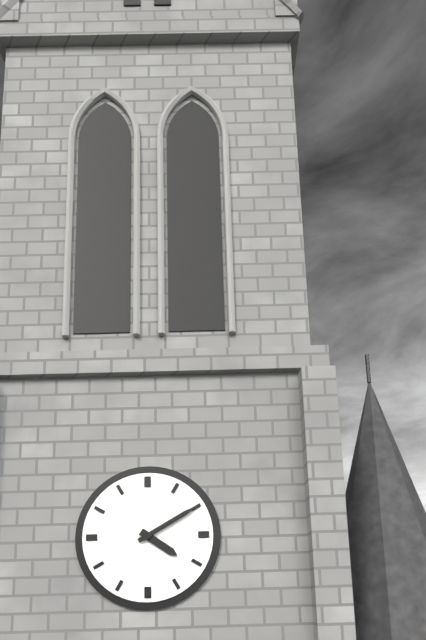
{"hour": 4, "minute": 10}
